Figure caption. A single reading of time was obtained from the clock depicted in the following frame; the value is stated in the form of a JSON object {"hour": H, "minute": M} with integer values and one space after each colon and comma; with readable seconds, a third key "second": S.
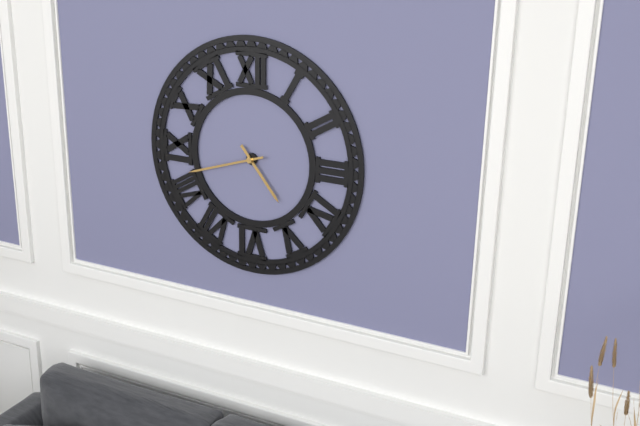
{"hour": 4, "minute": 42}
